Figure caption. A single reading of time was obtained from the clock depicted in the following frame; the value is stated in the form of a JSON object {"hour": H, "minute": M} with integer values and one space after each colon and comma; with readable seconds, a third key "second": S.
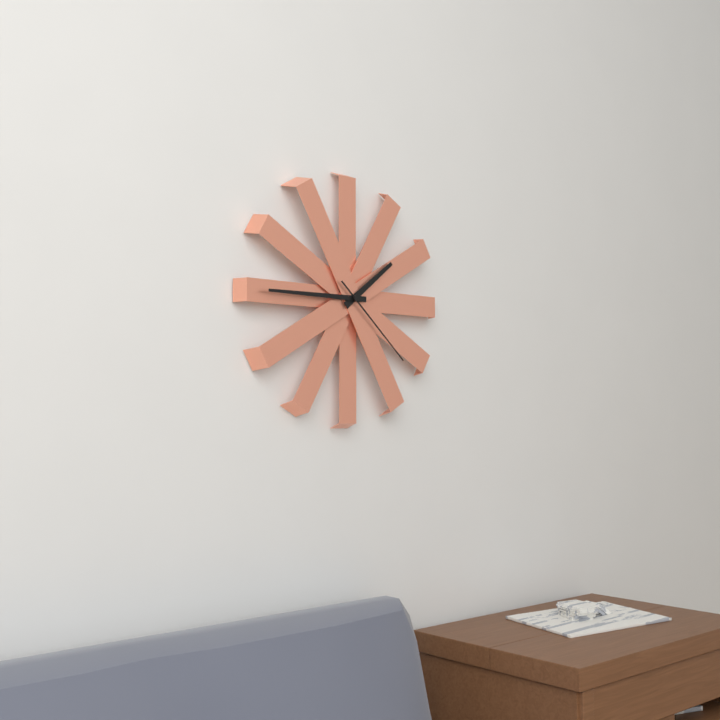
{"hour": 1, "minute": 45, "second": 22}
